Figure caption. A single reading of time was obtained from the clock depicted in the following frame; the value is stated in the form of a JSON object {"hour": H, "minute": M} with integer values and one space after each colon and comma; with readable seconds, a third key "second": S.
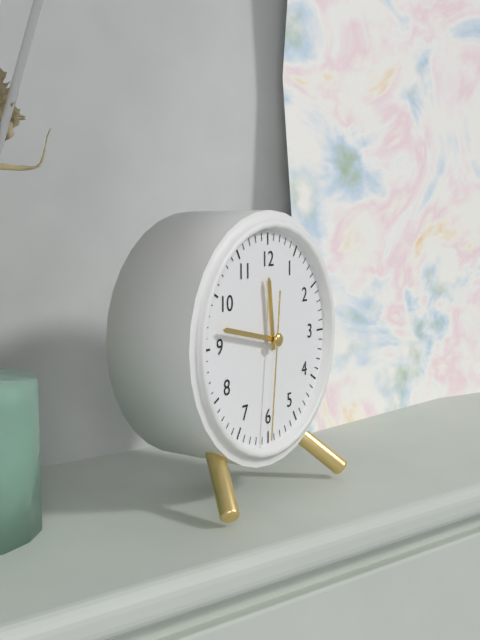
{"hour": 11, "minute": 47, "second": 31}
